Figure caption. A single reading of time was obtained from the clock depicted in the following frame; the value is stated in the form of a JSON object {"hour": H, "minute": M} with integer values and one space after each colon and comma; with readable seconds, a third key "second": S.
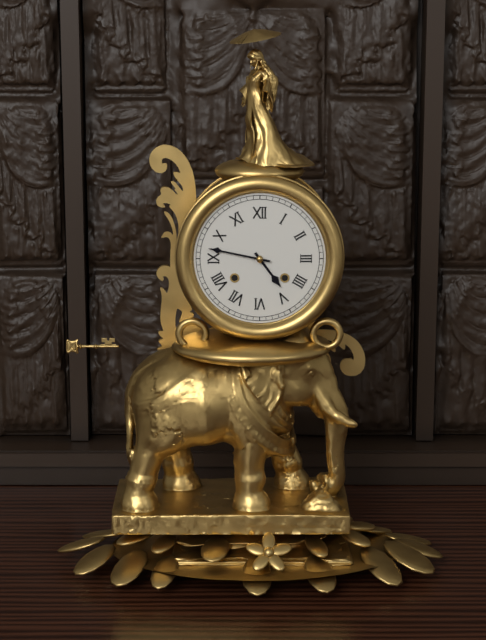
{"hour": 4, "minute": 47}
